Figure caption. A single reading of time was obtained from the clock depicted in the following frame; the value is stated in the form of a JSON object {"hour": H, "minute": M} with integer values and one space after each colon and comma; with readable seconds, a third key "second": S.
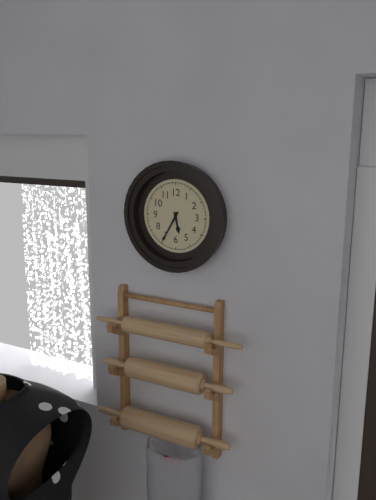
{"hour": 5, "minute": 35}
